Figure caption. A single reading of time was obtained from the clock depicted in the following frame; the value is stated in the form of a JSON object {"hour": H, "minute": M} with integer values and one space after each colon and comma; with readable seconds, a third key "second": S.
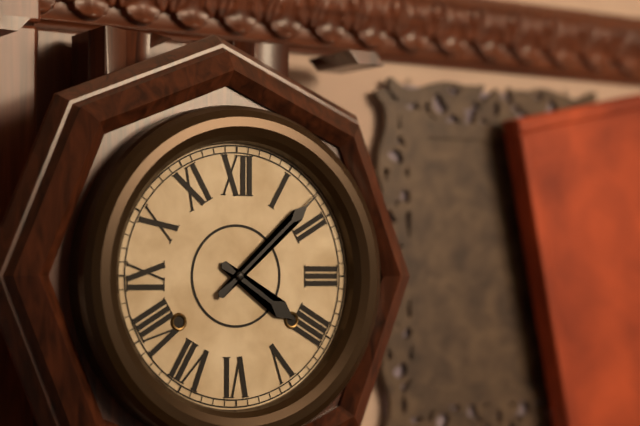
{"hour": 4, "minute": 8}
